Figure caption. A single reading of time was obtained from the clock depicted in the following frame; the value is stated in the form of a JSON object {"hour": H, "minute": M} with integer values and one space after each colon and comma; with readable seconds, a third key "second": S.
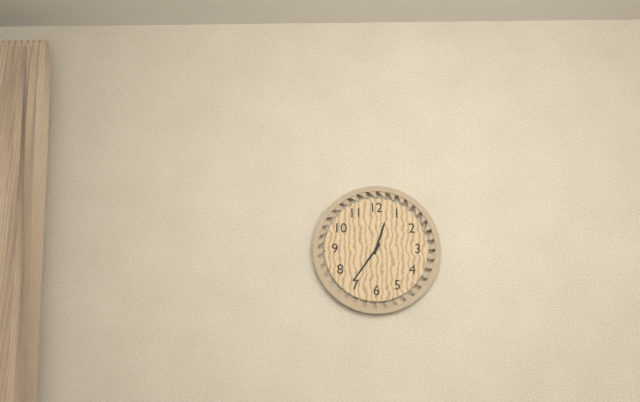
{"hour": 12, "minute": 36}
